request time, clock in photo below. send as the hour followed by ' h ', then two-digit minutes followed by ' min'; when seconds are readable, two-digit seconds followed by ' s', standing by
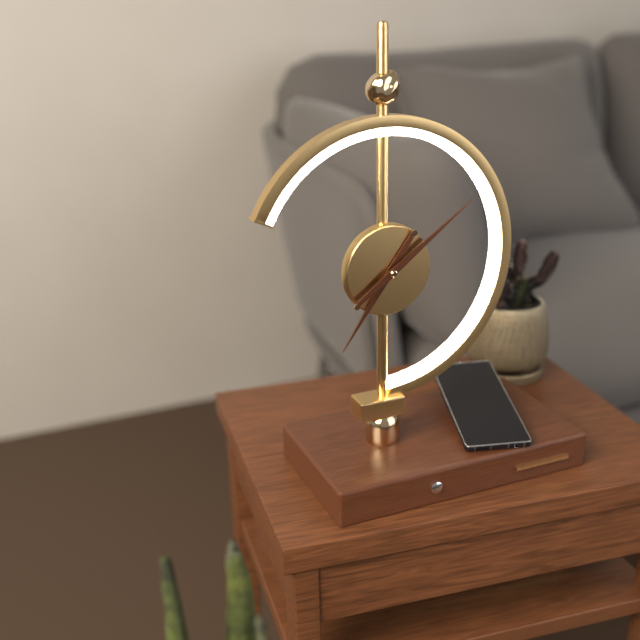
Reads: 7 h 09 min
